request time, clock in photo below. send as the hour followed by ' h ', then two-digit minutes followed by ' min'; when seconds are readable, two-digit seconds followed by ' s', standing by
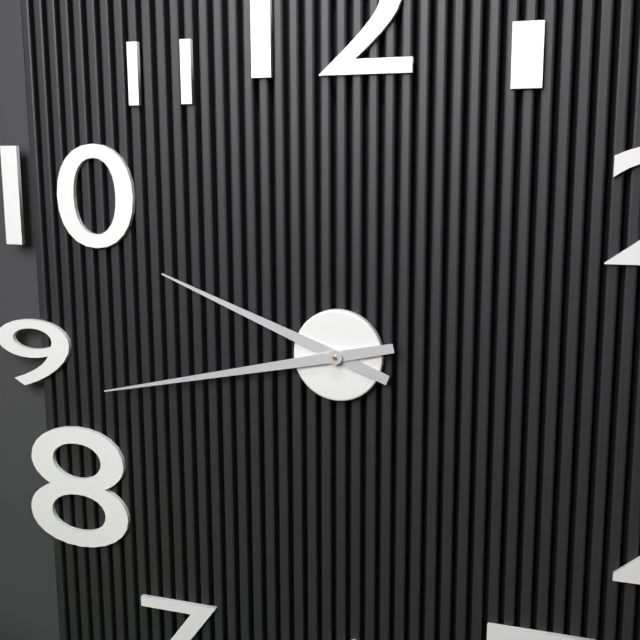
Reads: 9 h 43 min
